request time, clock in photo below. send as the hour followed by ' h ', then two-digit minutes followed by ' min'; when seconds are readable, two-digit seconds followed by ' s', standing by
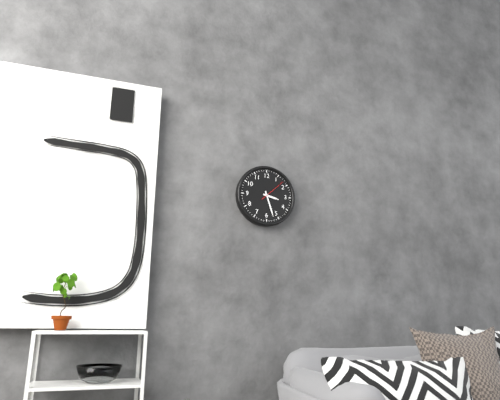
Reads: 3 h 27 min
